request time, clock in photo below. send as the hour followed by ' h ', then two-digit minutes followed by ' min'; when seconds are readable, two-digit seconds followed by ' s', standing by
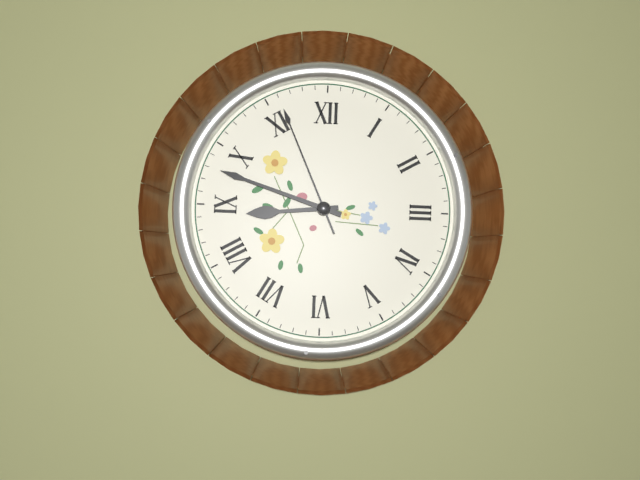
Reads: 8 h 48 min 56 s
